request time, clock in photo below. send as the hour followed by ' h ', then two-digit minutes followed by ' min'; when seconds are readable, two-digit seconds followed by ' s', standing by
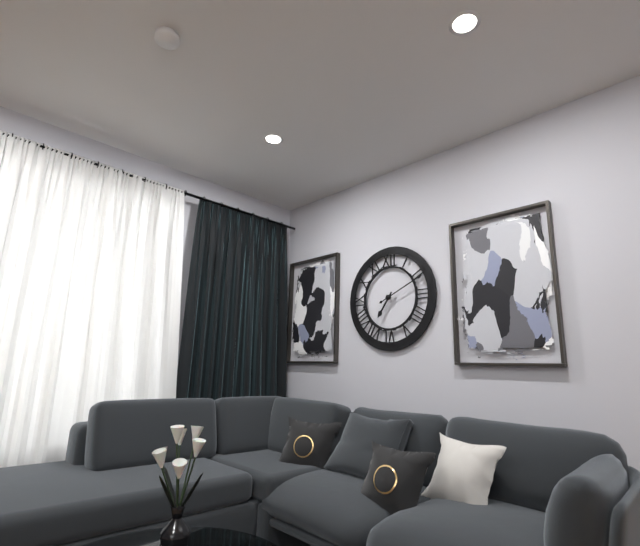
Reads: 7 h 11 min
